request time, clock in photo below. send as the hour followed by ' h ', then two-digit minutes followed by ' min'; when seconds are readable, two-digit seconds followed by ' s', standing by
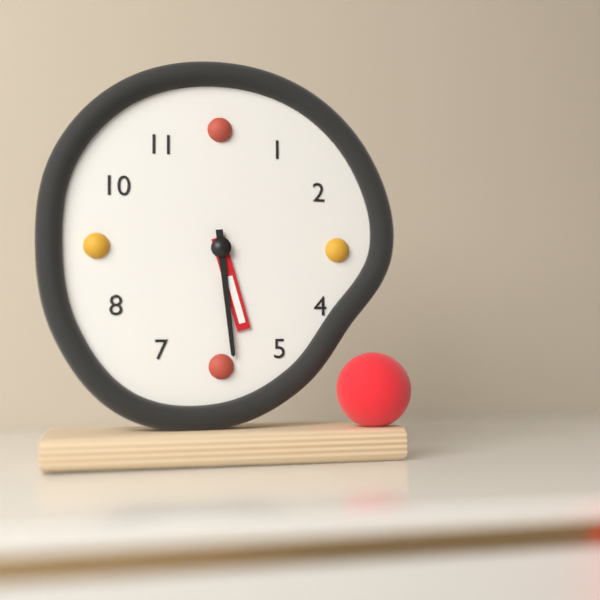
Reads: 5 h 29 min
